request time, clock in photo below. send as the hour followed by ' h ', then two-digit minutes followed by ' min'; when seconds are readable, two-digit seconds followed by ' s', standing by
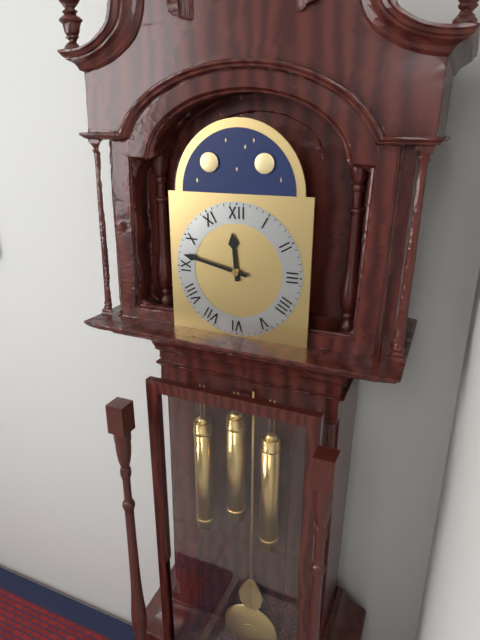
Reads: 11 h 47 min
